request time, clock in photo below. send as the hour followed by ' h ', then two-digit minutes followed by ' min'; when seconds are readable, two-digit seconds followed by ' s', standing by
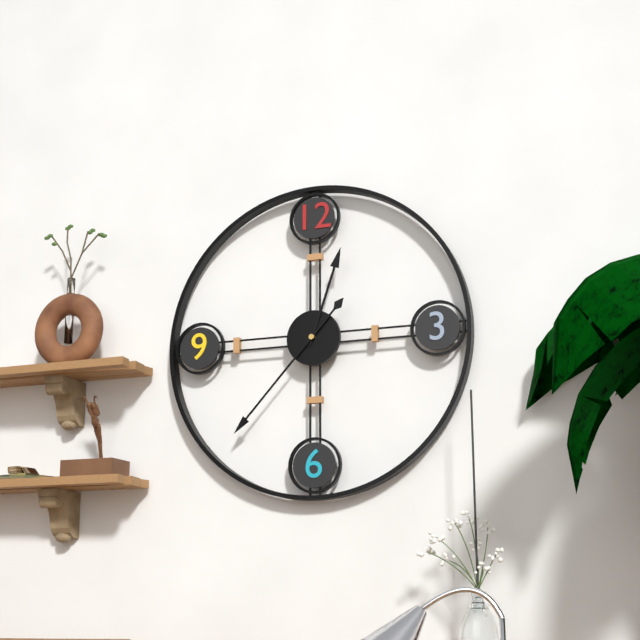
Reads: 12 h 37 min
